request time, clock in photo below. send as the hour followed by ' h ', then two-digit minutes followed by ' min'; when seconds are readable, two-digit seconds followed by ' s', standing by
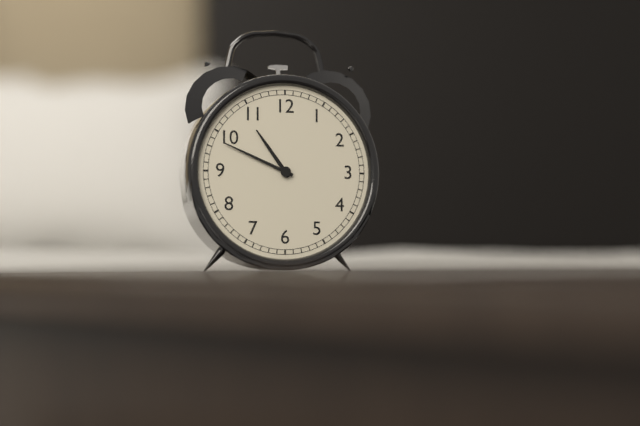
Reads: 10 h 49 min
